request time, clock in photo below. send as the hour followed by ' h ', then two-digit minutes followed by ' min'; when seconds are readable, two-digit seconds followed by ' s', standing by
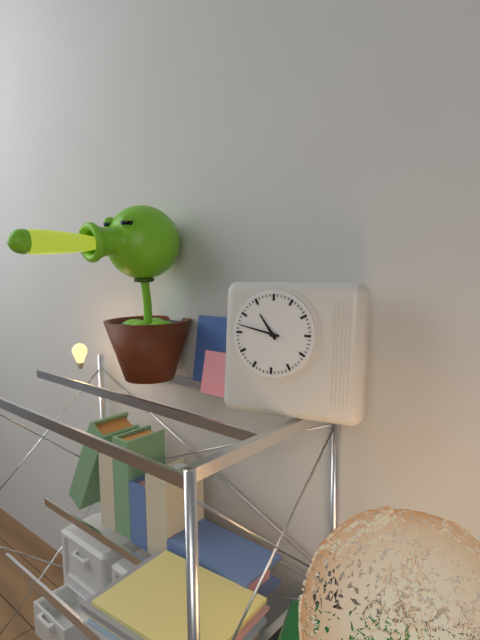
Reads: 10 h 47 min
